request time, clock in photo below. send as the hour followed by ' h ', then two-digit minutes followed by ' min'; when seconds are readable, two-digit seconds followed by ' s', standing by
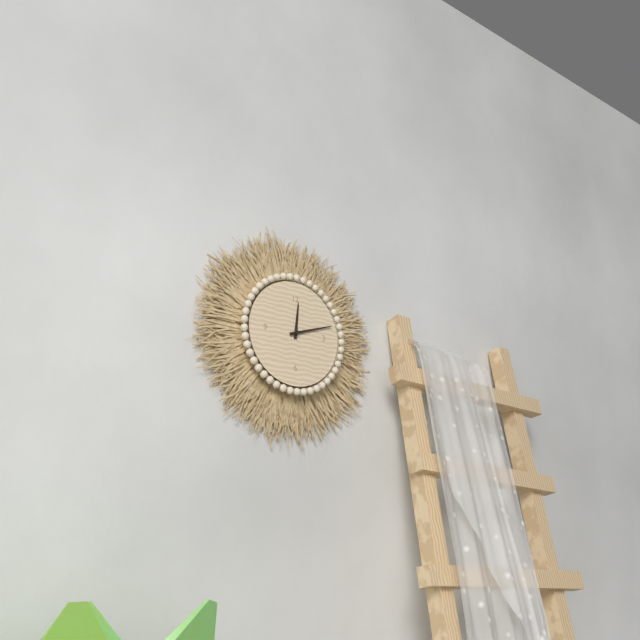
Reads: 12 h 12 min
